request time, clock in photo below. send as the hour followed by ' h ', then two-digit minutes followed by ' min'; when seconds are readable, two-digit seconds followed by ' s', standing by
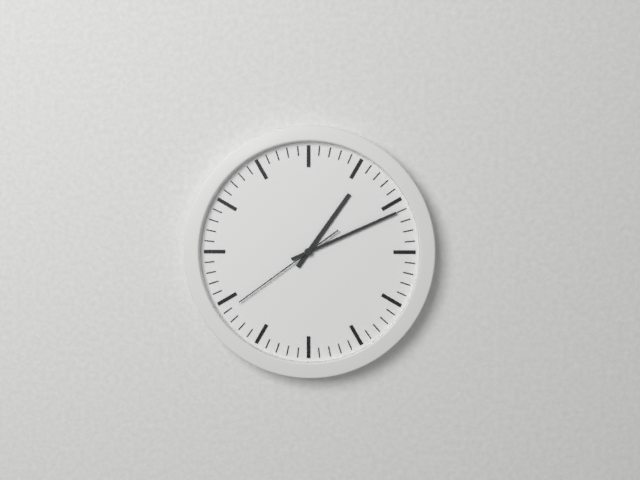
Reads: 1 h 11 min 39 s
